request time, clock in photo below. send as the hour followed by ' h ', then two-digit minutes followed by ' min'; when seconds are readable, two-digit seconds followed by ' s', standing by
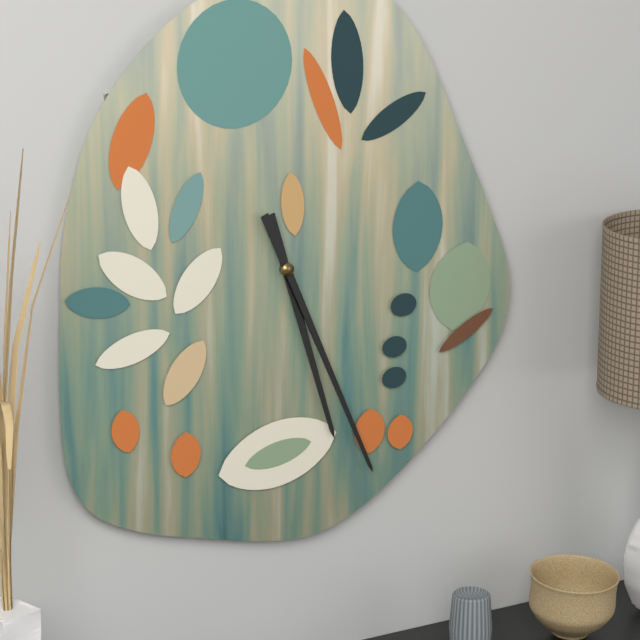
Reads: 5 h 26 min
